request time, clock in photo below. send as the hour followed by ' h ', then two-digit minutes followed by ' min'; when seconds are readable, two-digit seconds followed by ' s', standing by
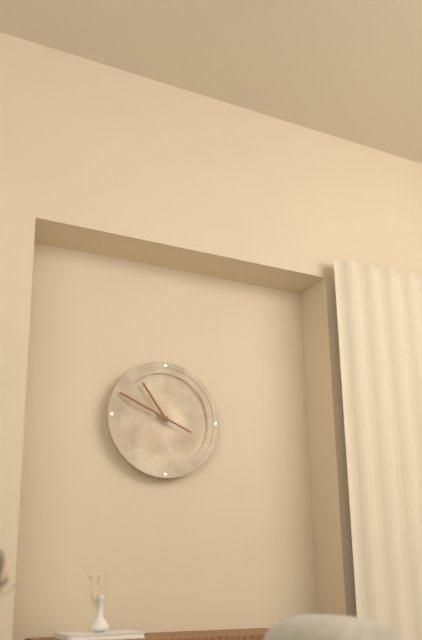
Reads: 10 h 49 min
